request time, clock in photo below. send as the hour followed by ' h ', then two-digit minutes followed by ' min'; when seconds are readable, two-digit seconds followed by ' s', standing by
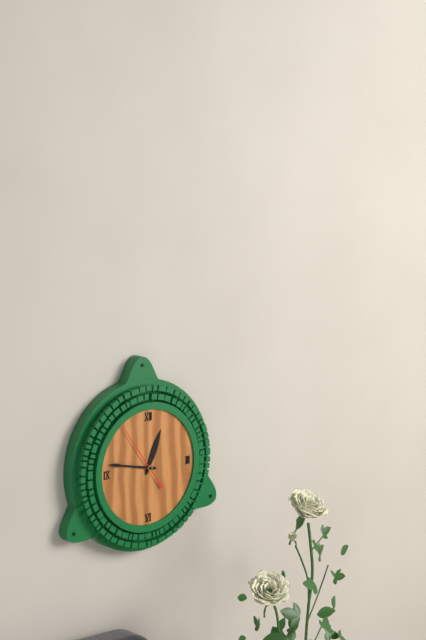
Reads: 12 h 47 min 54 s
